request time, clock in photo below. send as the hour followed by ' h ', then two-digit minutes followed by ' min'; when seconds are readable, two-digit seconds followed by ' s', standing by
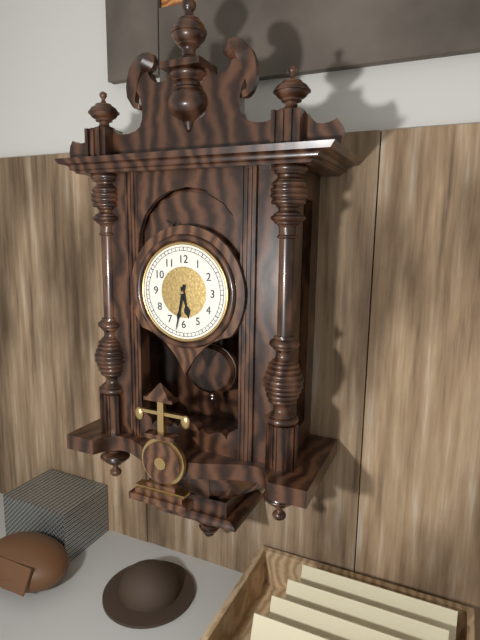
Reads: 5 h 32 min
